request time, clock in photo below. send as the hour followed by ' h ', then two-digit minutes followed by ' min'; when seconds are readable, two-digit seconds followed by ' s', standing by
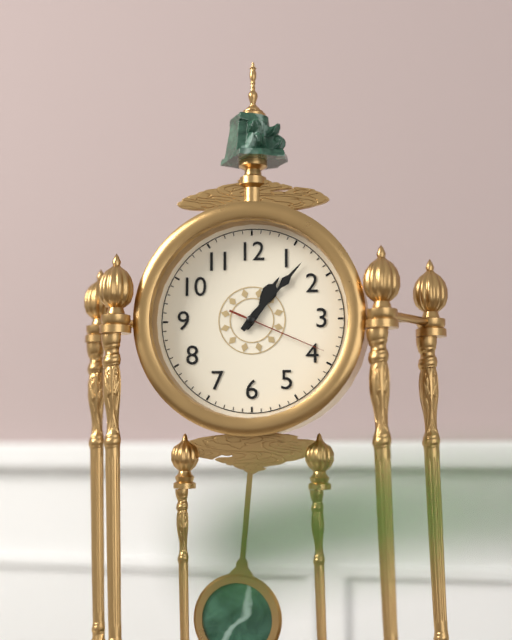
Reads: 1 h 07 min 19 s
